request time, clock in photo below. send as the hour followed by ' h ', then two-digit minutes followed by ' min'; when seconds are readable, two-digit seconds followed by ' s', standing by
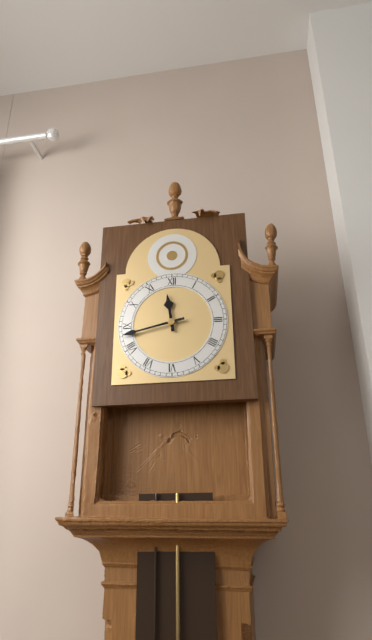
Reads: 11 h 43 min
